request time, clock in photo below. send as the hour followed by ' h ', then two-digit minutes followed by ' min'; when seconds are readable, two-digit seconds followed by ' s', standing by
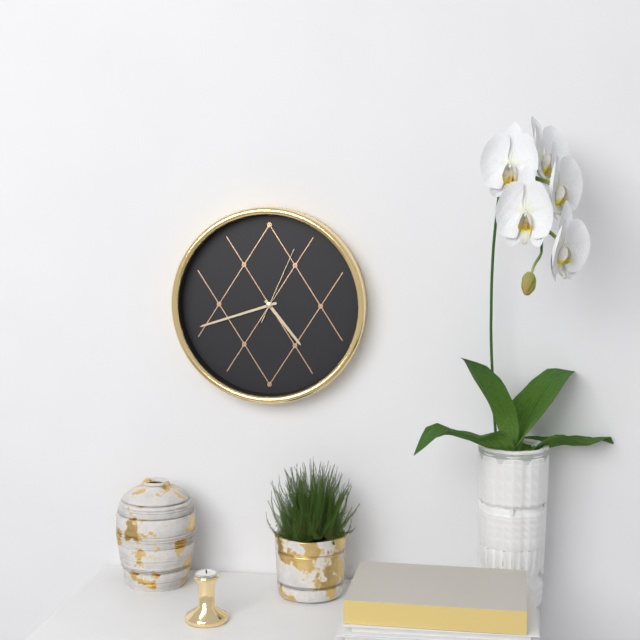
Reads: 4 h 42 min 04 s
